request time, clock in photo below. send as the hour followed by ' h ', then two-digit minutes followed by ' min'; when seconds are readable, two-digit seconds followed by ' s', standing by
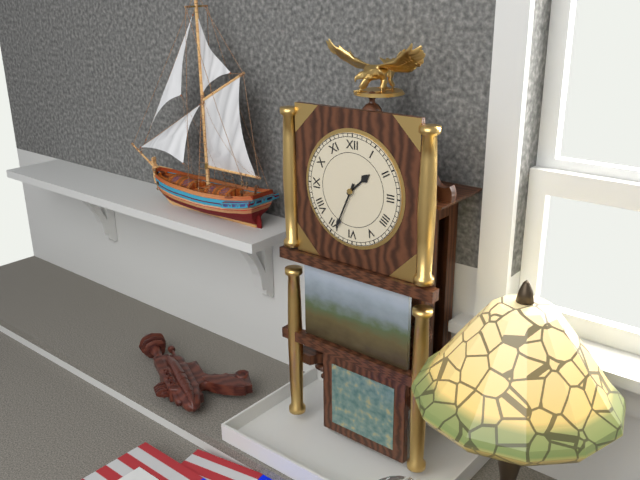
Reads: 1 h 34 min
